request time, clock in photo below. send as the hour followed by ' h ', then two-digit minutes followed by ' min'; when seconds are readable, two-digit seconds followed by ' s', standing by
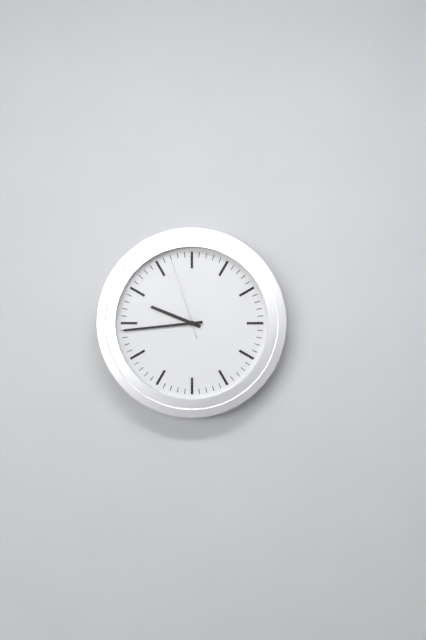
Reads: 9 h 44 min 57 s
